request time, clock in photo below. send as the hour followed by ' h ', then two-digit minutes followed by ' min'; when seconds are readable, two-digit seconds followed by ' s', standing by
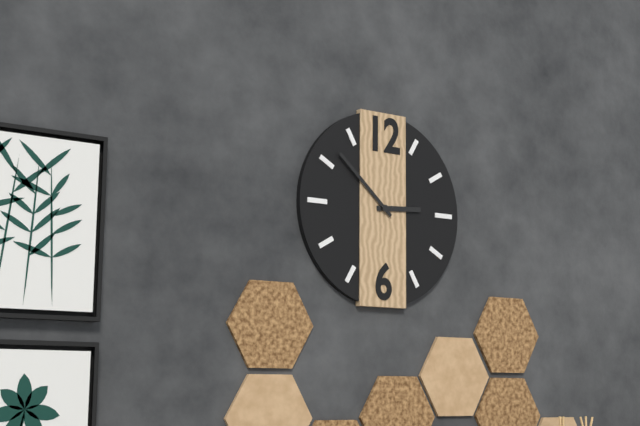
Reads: 2 h 52 min
